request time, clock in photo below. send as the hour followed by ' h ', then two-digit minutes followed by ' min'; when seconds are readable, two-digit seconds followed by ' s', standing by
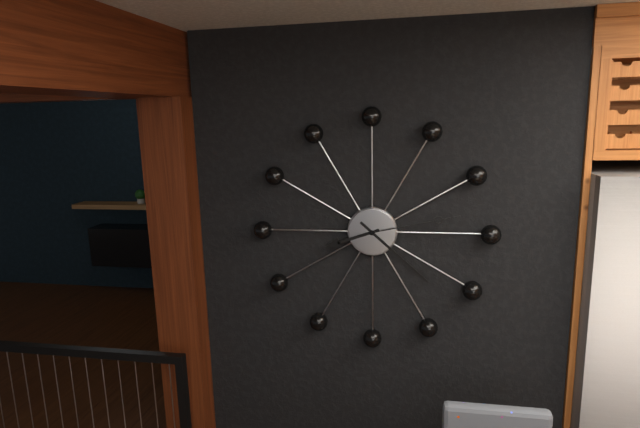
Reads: 8 h 22 min 13 s
